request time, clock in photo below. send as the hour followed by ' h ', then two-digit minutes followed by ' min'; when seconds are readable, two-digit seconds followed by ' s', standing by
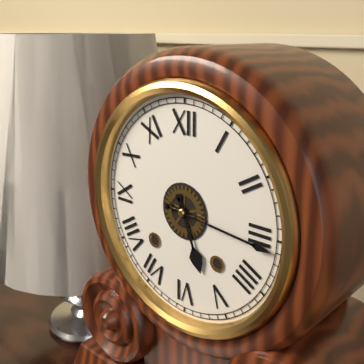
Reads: 5 h 16 min
